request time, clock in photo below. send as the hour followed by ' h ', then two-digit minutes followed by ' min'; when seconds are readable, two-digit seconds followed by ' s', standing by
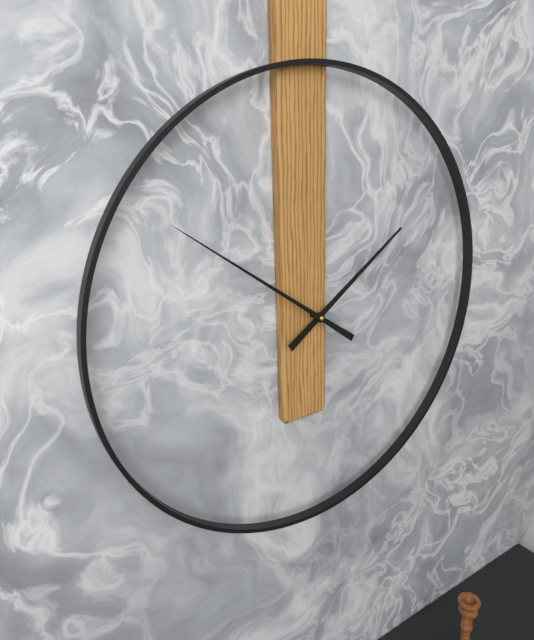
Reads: 1 h 51 min
